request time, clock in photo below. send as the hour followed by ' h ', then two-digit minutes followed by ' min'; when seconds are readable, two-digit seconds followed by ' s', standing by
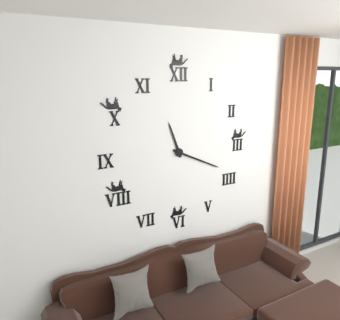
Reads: 11 h 19 min
